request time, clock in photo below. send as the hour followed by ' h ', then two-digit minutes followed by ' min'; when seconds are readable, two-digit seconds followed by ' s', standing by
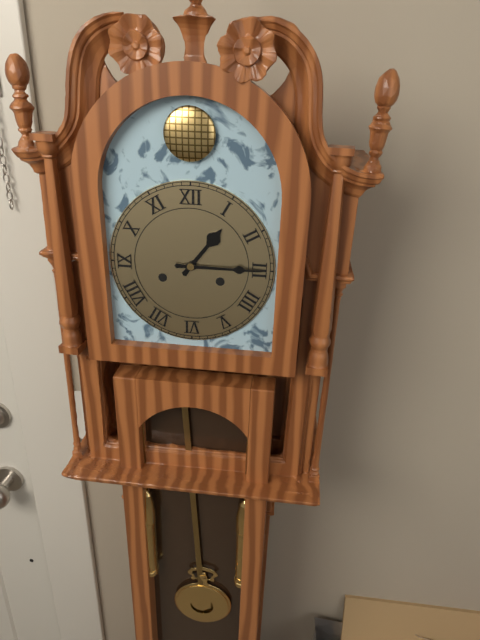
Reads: 1 h 15 min
